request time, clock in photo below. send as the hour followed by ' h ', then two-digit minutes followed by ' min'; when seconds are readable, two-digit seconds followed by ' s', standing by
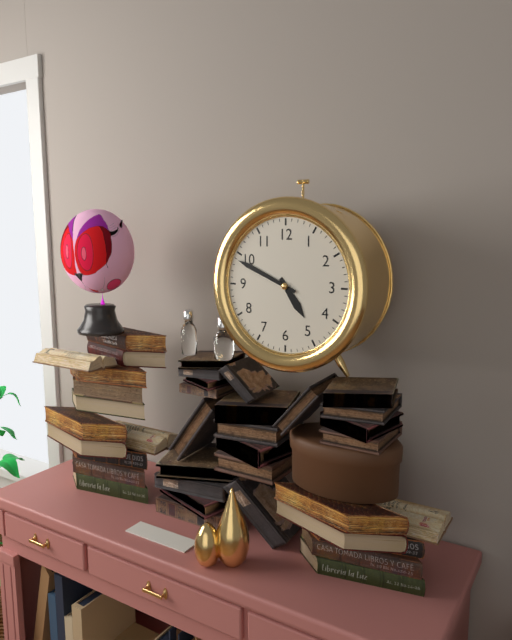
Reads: 4 h 49 min
